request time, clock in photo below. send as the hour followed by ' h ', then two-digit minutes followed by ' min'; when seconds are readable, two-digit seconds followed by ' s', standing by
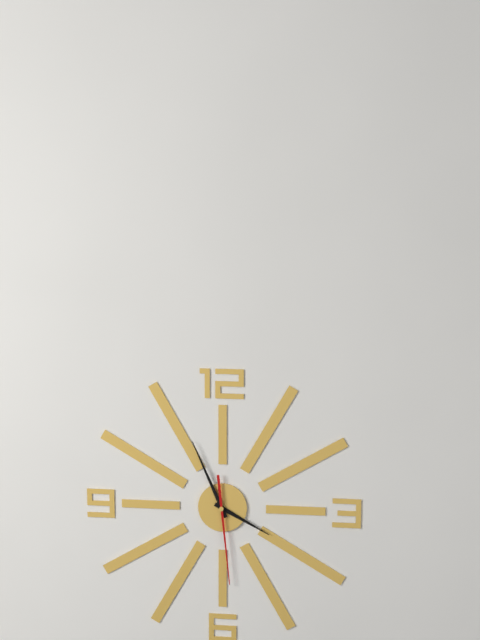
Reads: 3 h 56 min 29 s
